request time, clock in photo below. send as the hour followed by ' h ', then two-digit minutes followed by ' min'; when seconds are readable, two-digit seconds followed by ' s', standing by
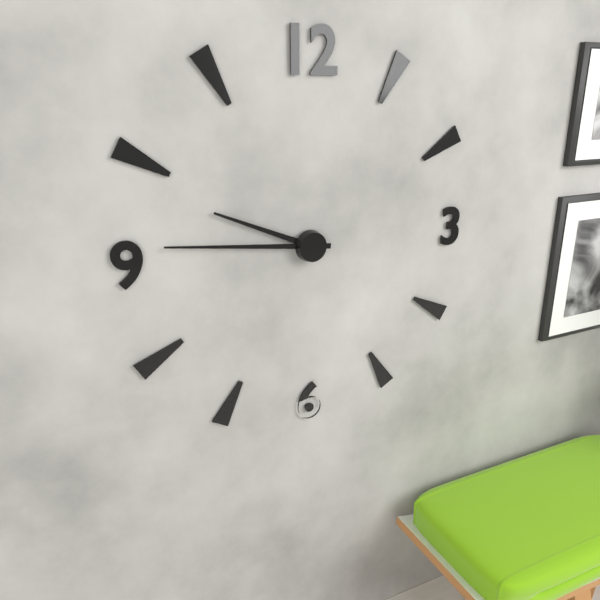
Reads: 9 h 46 min
